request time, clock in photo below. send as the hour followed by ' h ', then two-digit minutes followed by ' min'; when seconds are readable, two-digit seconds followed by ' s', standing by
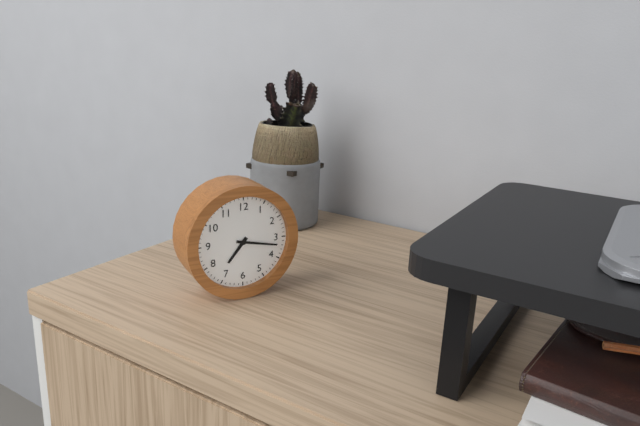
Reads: 7 h 17 min
